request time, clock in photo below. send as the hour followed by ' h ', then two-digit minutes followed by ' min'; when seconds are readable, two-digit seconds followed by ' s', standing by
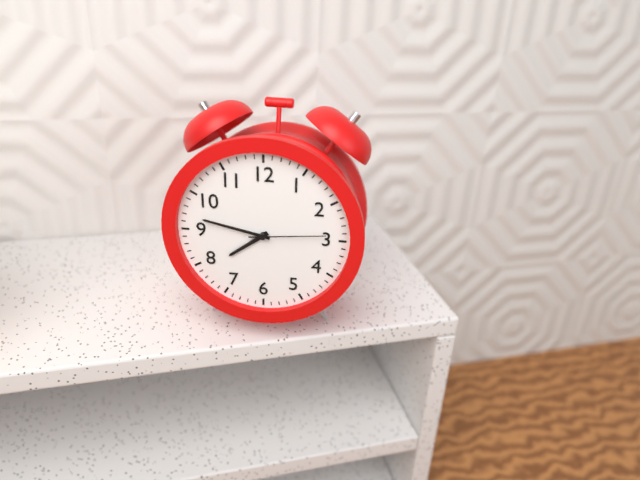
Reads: 7 h 47 min 14 s
